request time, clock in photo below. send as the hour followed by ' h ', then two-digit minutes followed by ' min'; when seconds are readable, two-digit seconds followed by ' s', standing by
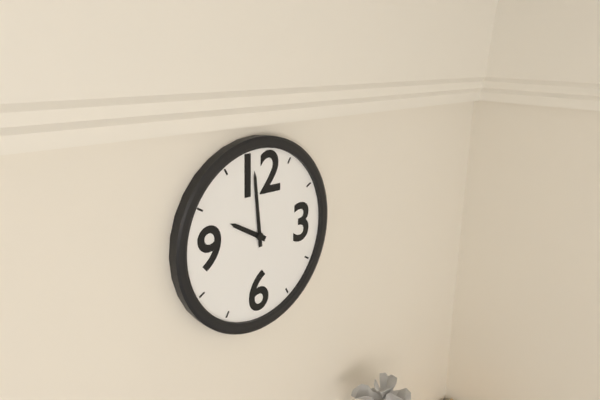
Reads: 9 h 59 min
